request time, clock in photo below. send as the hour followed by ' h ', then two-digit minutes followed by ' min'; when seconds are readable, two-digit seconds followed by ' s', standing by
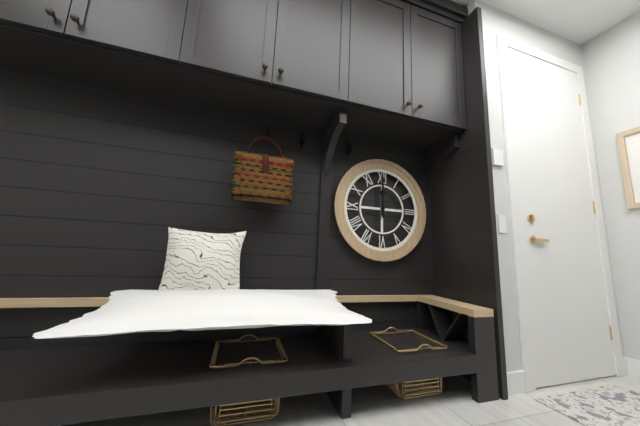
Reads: 12 h 00 min
